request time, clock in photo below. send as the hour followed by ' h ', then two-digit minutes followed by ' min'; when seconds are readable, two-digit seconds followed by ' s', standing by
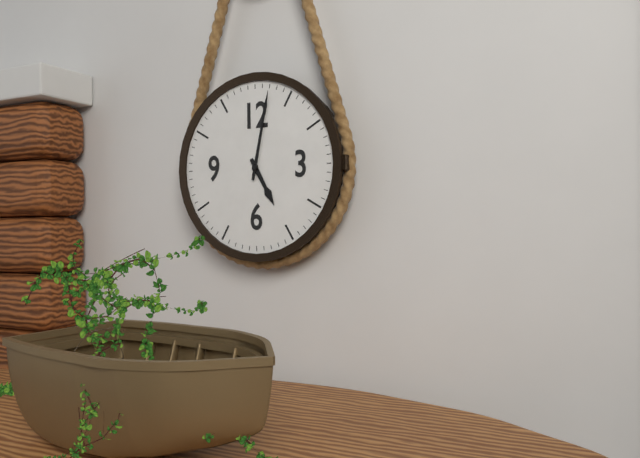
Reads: 5 h 02 min
